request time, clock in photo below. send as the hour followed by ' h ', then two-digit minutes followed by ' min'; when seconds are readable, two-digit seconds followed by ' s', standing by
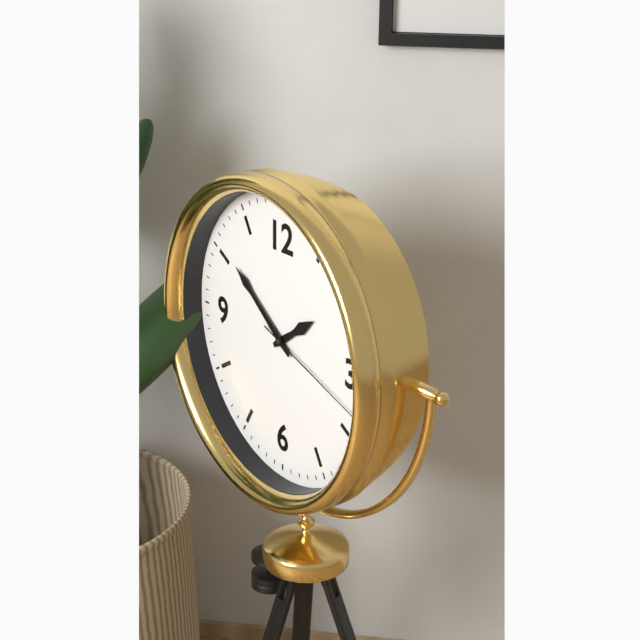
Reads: 1 h 51 min 18 s
